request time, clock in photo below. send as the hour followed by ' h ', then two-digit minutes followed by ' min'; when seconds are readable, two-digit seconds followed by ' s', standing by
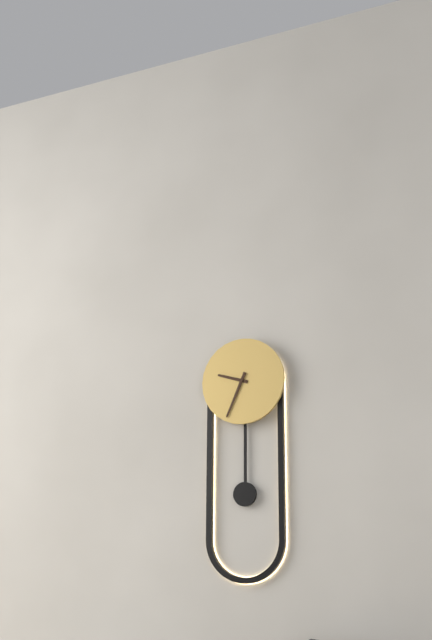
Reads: 9 h 34 min
